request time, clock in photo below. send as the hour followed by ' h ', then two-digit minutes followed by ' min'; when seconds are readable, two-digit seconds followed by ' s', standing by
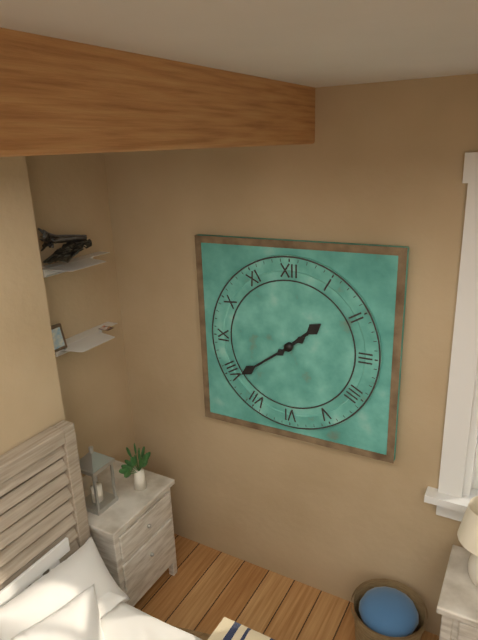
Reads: 1 h 39 min
